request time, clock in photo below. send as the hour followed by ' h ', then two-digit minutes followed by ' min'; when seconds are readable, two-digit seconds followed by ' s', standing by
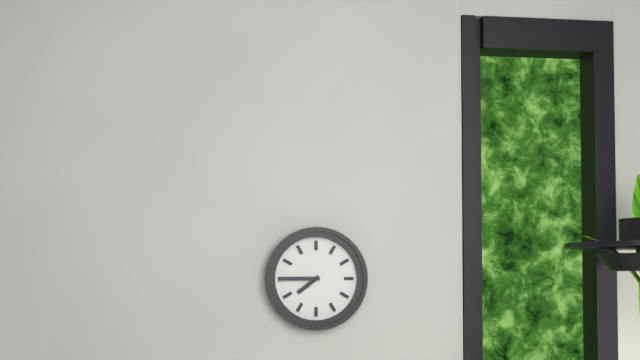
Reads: 7 h 45 min
